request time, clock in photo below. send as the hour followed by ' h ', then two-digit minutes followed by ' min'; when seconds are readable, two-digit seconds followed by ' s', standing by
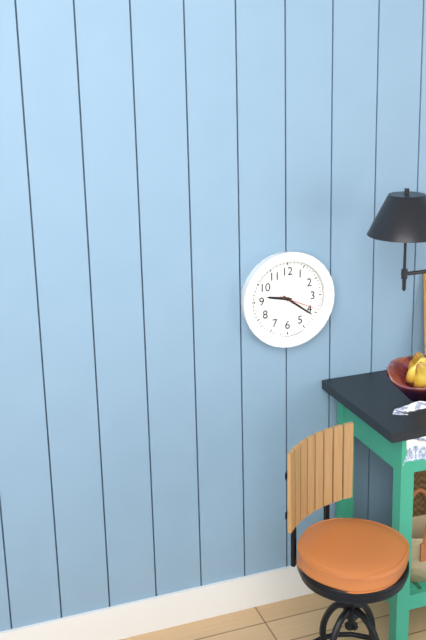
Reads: 9 h 21 min
